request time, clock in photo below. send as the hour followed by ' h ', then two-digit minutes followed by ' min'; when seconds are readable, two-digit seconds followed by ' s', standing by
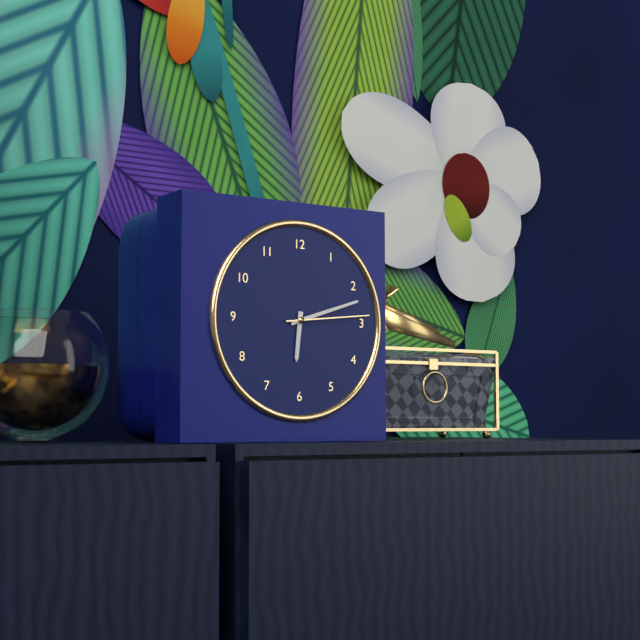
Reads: 6 h 12 min 14 s
